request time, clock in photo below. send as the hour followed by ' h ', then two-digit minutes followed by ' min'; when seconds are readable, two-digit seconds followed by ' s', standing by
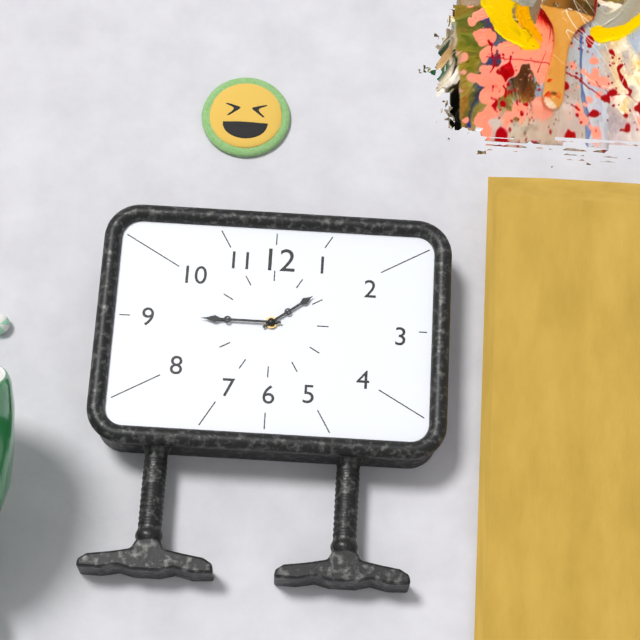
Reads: 1 h 45 min
